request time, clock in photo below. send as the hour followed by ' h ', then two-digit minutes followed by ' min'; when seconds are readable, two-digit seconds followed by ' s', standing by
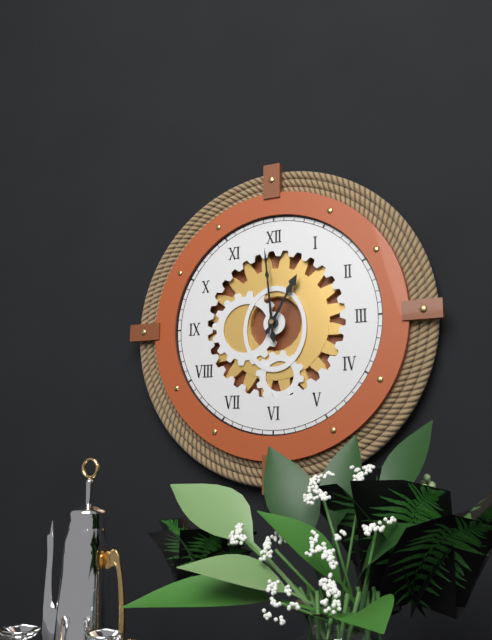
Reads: 12 h 59 min
